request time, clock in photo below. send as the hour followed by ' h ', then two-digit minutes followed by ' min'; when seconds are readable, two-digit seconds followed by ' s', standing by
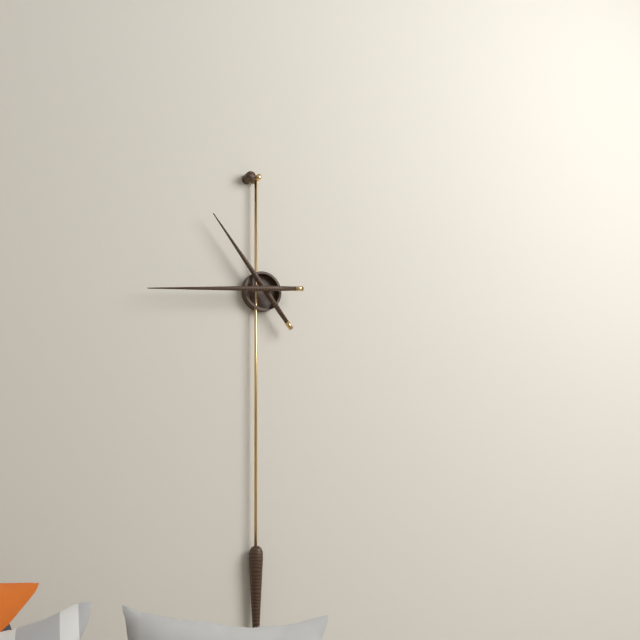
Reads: 10 h 44 min
